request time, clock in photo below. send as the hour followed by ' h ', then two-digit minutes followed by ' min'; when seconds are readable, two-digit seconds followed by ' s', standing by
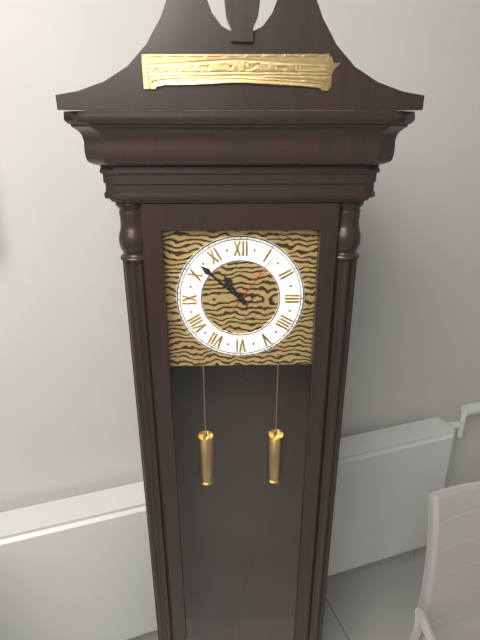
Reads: 10 h 52 min 06 s
